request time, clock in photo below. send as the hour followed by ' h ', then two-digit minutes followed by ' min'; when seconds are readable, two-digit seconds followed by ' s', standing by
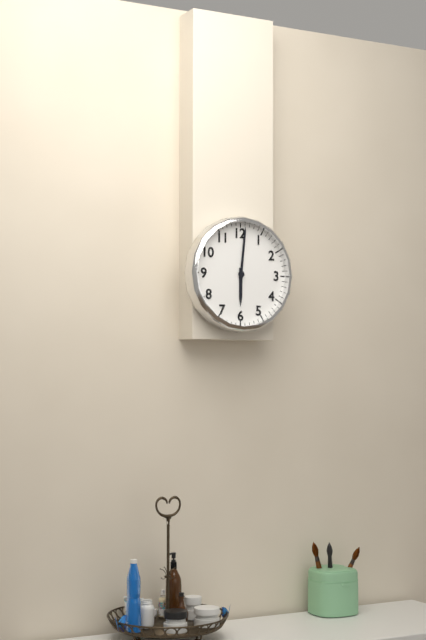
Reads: 6 h 01 min
